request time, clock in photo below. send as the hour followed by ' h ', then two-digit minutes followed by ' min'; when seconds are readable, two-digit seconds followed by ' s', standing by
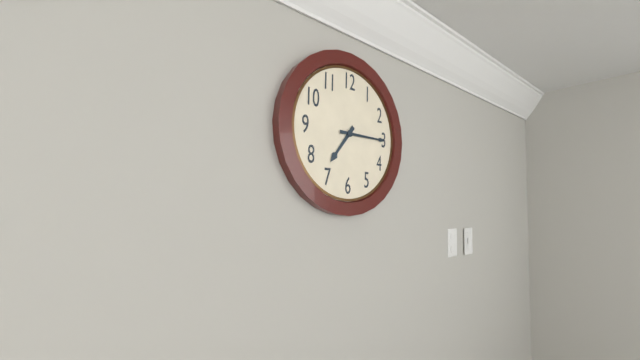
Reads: 7 h 15 min
